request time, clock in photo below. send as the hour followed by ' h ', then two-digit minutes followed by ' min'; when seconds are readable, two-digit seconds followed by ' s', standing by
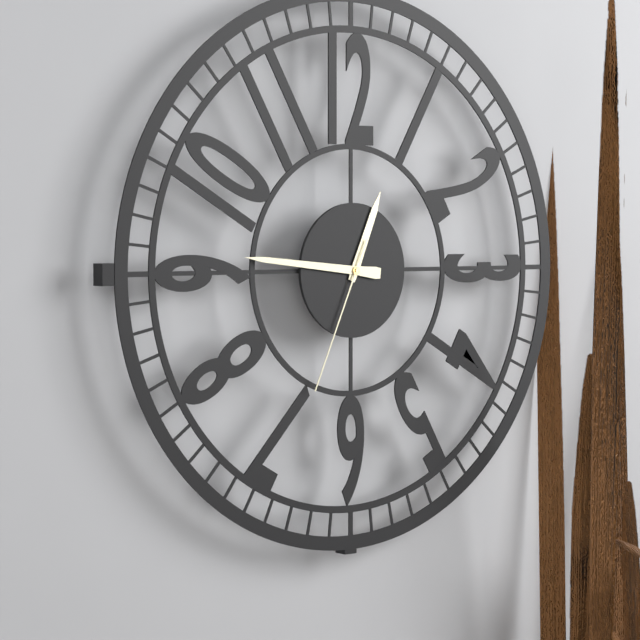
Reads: 12 h 46 min 34 s
